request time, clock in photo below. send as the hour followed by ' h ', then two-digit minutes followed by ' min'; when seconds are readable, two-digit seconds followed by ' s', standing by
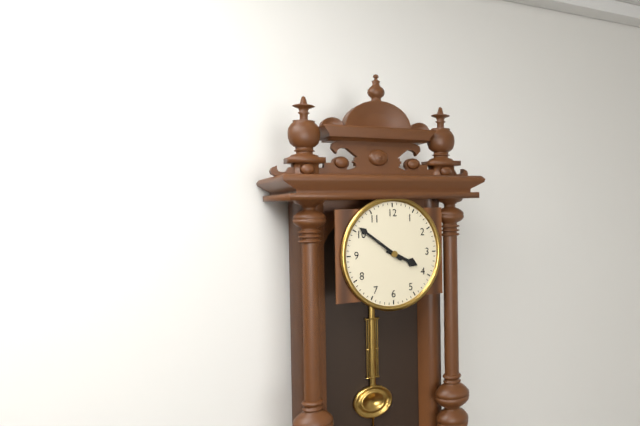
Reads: 3 h 51 min
